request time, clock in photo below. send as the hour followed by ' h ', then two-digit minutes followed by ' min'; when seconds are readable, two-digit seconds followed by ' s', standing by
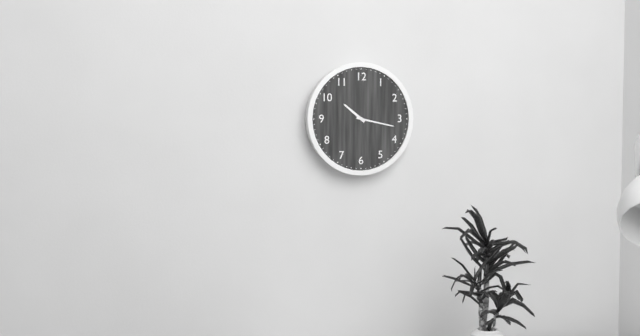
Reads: 10 h 17 min
